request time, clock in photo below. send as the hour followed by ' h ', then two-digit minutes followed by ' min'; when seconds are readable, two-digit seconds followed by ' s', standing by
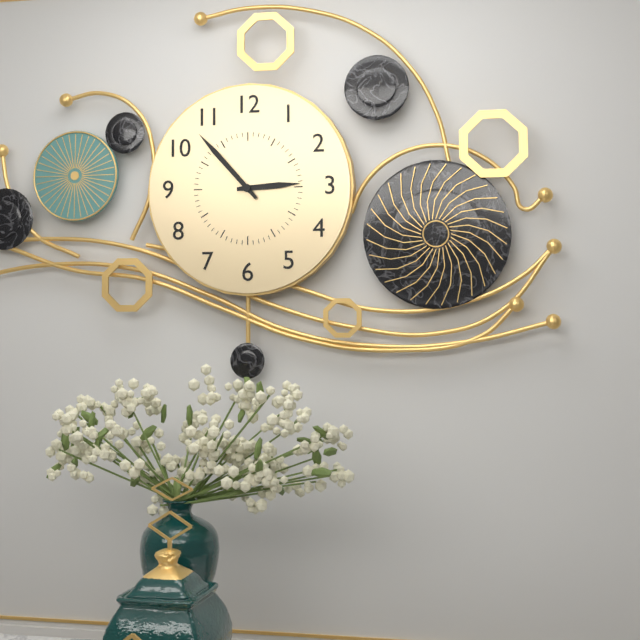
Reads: 2 h 53 min
